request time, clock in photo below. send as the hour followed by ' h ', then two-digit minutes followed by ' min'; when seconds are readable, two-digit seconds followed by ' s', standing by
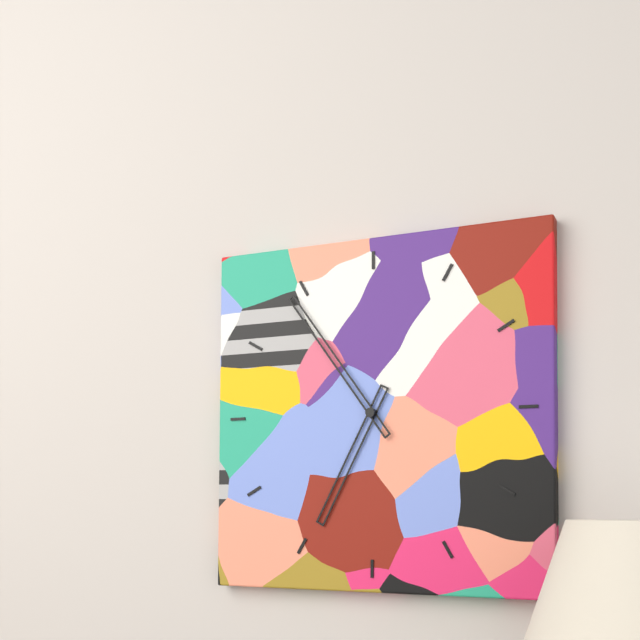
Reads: 6 h 54 min
